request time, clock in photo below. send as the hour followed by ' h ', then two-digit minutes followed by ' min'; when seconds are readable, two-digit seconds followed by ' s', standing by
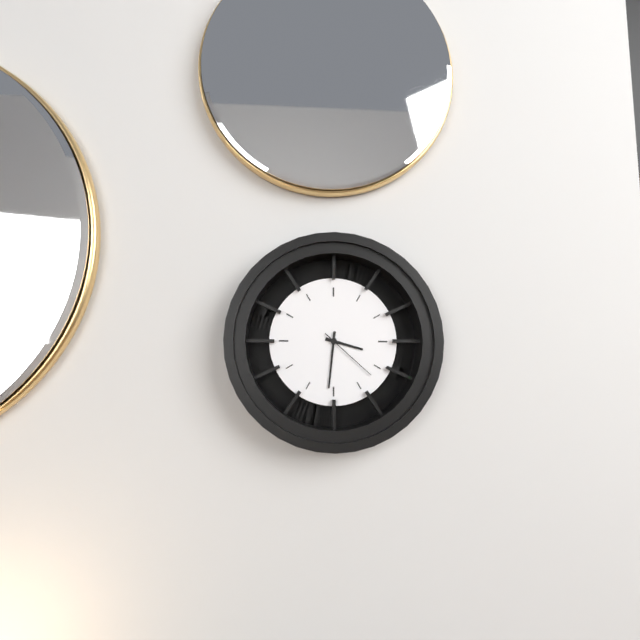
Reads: 3 h 31 min 22 s
